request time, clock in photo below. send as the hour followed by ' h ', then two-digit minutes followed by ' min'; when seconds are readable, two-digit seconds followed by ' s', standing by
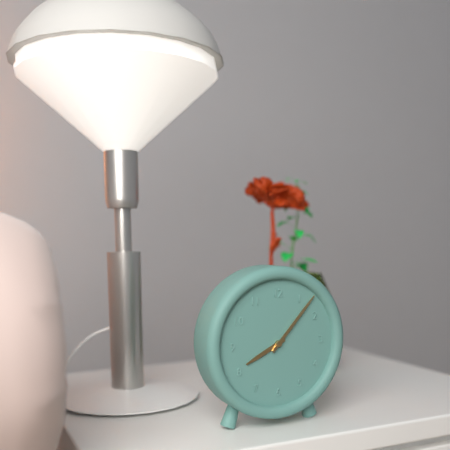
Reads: 8 h 07 min
